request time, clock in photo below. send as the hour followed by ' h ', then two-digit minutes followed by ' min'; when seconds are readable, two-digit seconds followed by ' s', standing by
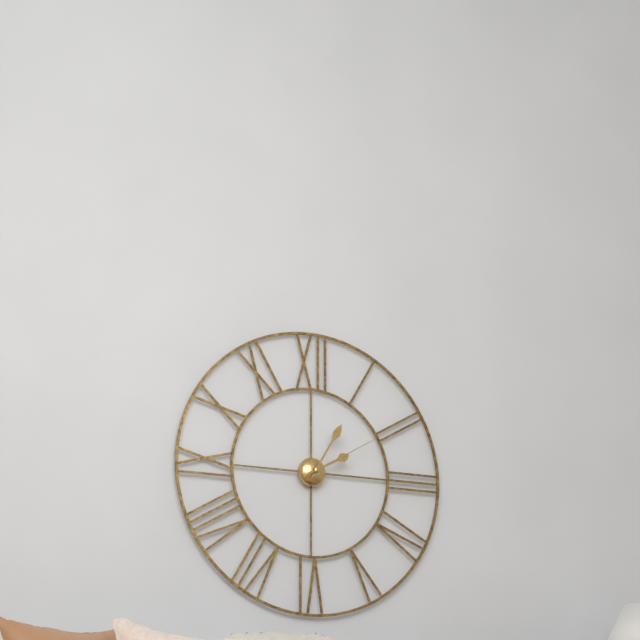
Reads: 2 h 05 min 10 s
